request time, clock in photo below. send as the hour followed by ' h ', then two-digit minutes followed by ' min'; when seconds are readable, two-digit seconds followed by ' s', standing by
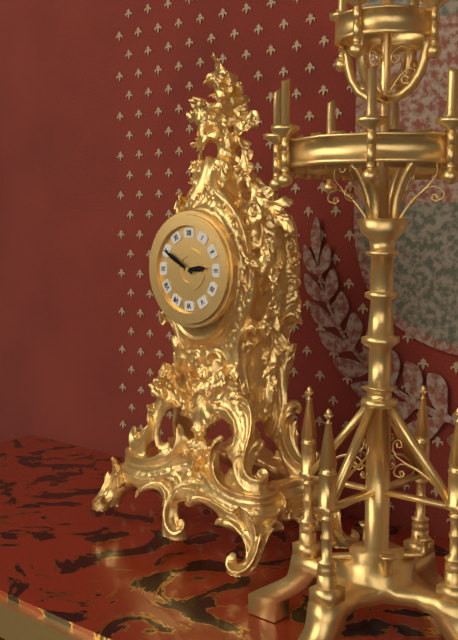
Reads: 2 h 50 min
